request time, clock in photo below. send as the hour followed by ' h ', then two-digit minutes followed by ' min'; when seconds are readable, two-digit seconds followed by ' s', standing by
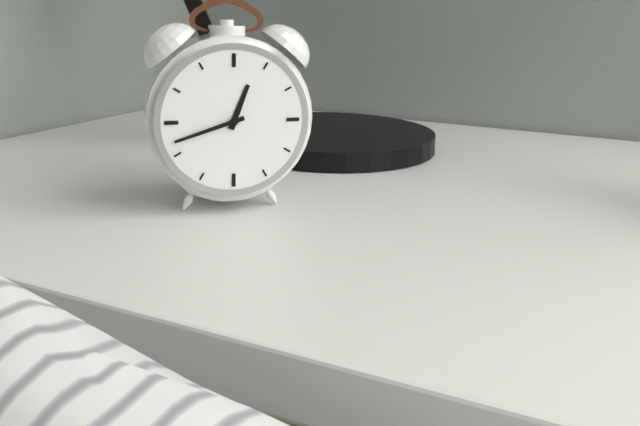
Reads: 12 h 42 min
